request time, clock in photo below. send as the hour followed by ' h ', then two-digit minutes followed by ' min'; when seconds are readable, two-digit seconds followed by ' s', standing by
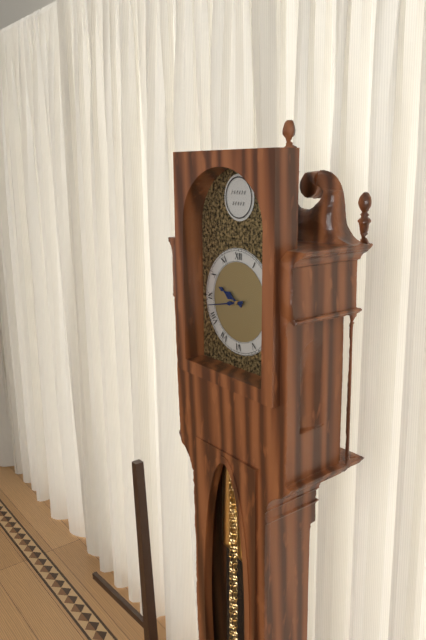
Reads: 9 h 43 min
